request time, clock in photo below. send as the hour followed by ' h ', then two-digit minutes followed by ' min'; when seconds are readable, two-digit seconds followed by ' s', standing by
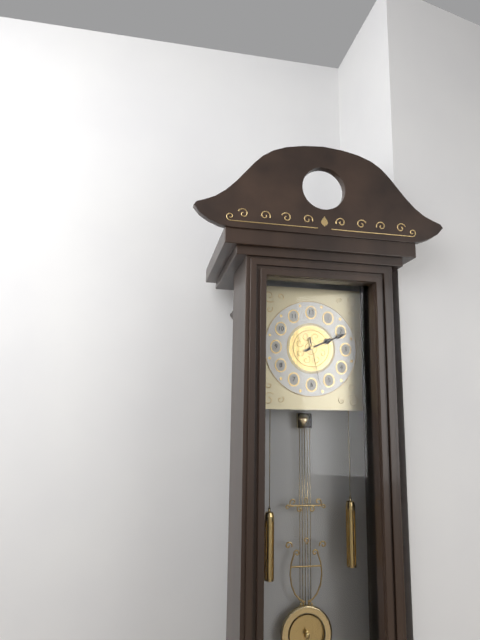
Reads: 2 h 11 min
